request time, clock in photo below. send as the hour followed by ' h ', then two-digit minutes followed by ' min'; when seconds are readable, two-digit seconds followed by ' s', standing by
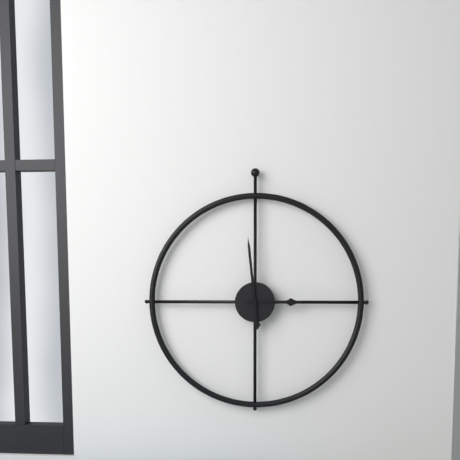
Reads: 2 h 59 min
